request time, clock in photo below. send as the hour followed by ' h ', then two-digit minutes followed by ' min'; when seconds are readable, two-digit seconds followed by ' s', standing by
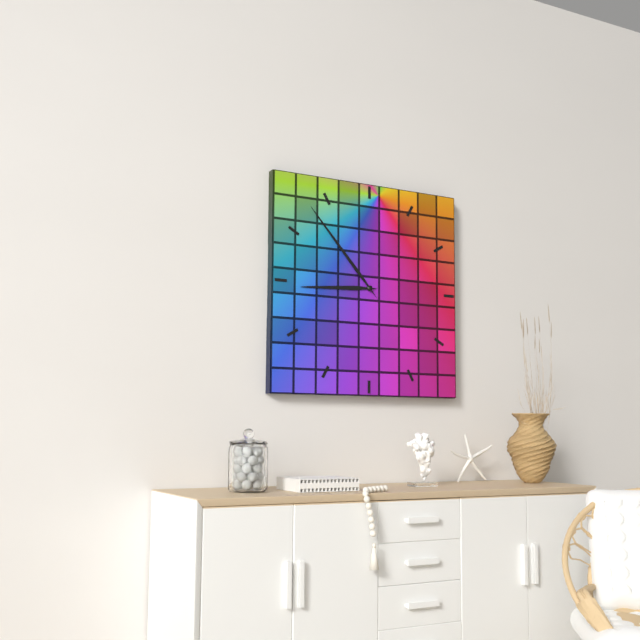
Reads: 8 h 53 min
